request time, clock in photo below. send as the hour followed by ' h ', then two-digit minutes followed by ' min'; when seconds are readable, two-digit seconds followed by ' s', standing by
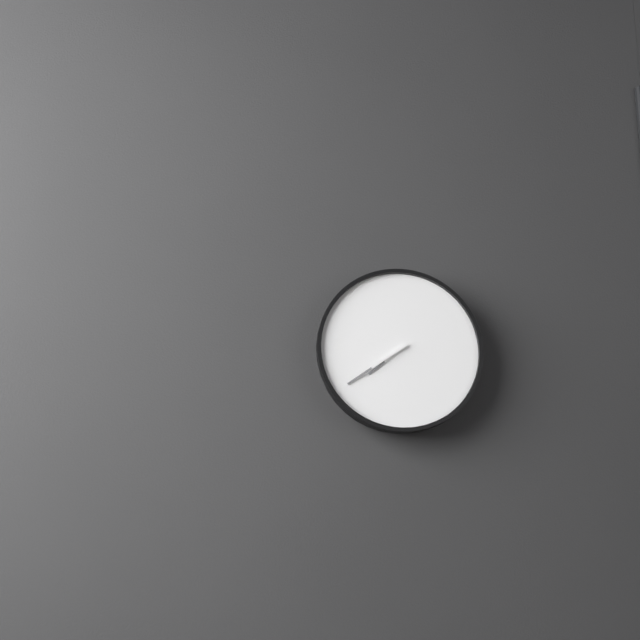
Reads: 7 h 39 min
